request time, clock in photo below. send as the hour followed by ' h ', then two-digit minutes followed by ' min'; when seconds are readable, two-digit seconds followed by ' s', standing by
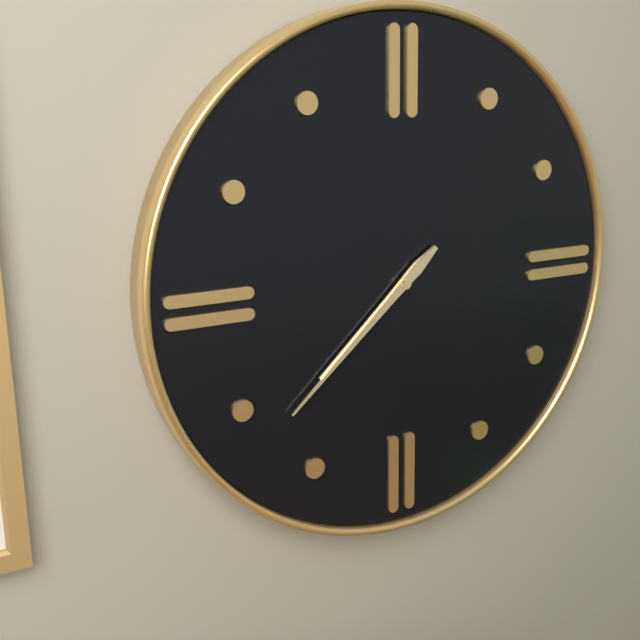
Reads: 7 h 38 min
